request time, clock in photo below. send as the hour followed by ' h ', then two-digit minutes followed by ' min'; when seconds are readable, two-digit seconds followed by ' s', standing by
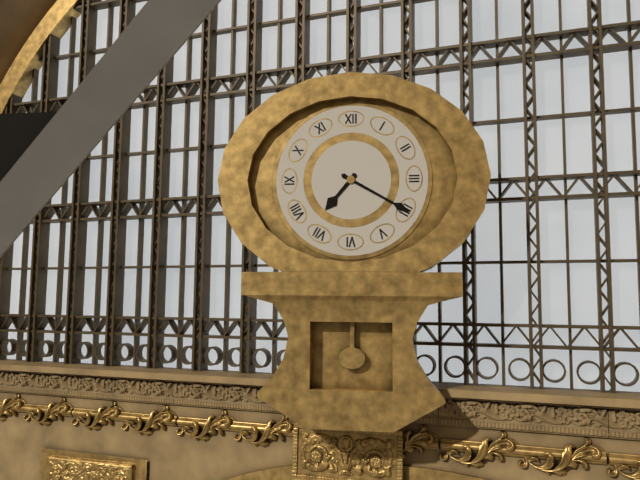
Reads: 7 h 20 min
